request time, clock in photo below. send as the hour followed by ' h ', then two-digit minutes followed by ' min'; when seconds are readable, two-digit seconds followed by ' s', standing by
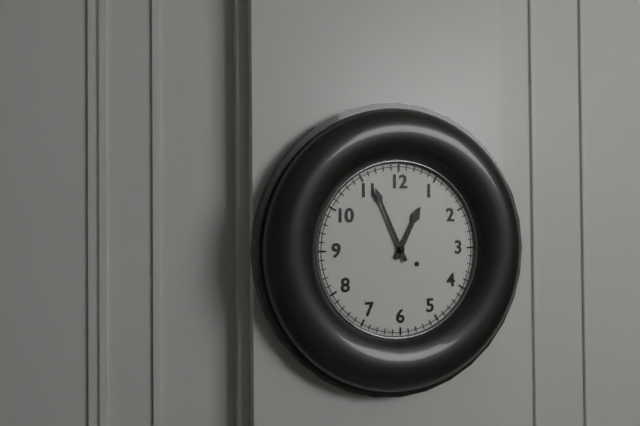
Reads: 12 h 56 min
